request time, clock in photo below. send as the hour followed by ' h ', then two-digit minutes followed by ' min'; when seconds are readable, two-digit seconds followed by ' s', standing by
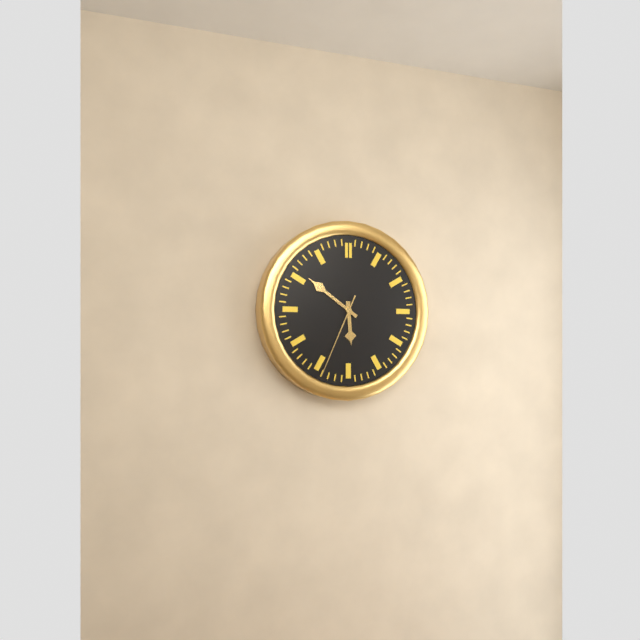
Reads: 5 h 51 min 34 s
